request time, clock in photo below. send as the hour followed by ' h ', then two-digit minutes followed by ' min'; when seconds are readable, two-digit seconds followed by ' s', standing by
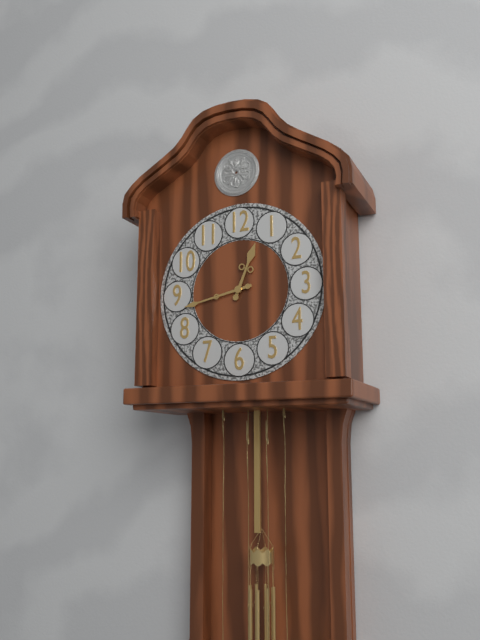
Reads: 12 h 43 min
